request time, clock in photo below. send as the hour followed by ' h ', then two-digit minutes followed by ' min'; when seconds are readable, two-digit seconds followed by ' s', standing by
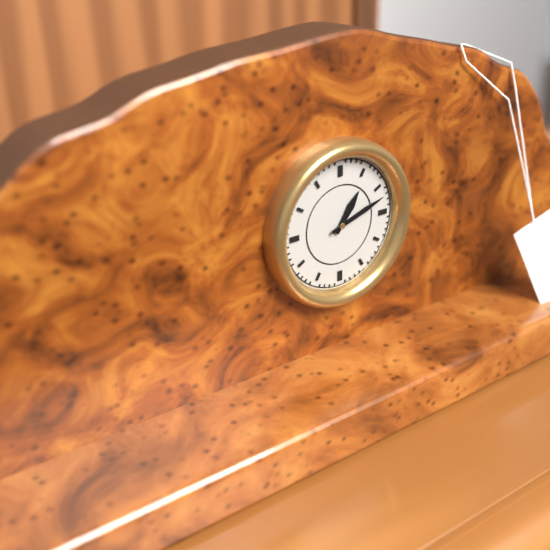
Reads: 1 h 12 min
